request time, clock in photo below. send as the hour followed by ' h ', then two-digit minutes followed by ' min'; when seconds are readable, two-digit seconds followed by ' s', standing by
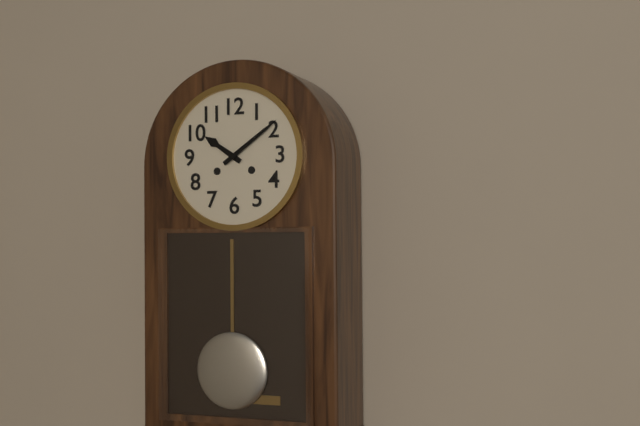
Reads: 10 h 09 min
